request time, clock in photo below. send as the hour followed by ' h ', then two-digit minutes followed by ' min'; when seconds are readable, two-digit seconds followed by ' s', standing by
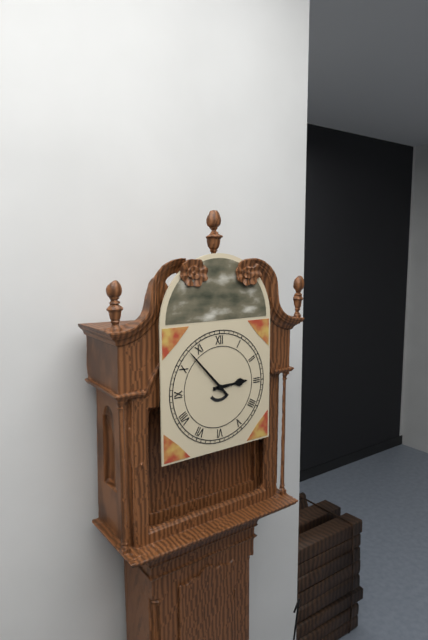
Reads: 2 h 53 min
